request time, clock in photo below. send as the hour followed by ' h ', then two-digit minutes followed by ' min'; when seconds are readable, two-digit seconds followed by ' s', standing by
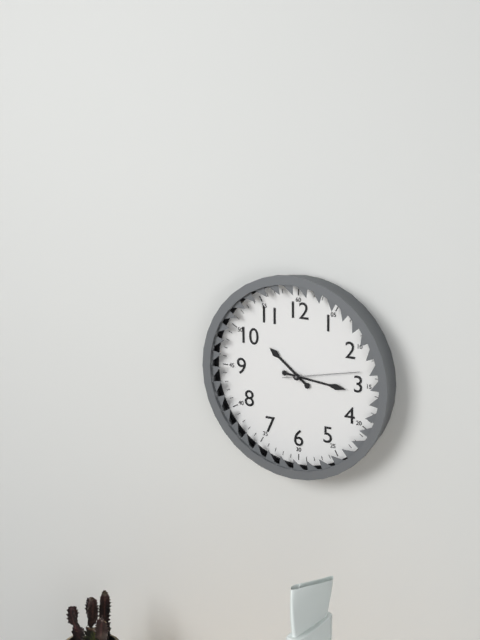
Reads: 10 h 16 min 13 s
